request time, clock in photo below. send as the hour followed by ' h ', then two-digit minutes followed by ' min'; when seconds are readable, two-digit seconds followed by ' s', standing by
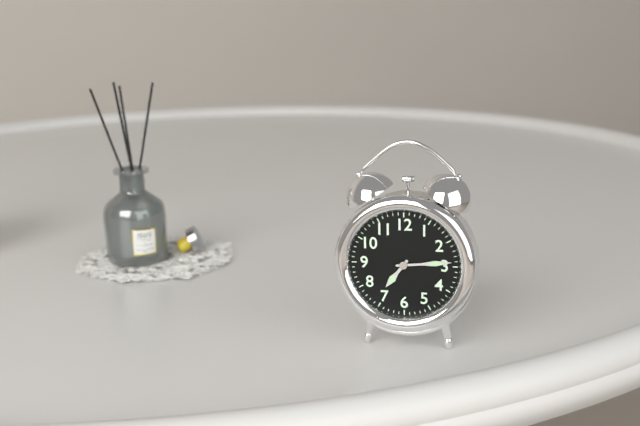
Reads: 7 h 14 min
